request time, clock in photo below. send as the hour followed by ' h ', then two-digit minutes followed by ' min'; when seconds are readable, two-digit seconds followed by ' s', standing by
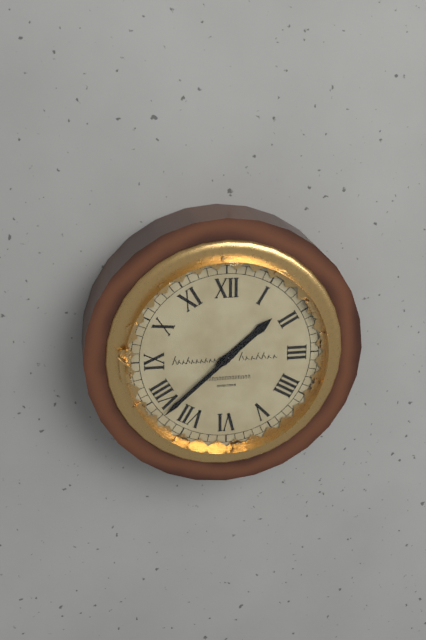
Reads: 1 h 38 min
